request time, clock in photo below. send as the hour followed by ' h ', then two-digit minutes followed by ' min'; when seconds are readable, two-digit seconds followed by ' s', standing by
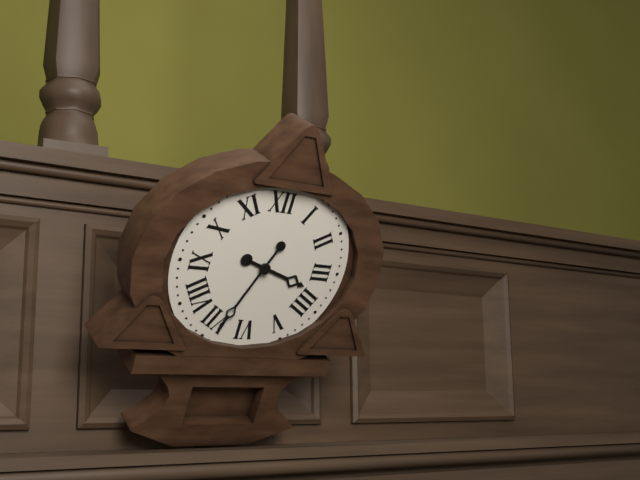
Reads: 3 h 34 min
